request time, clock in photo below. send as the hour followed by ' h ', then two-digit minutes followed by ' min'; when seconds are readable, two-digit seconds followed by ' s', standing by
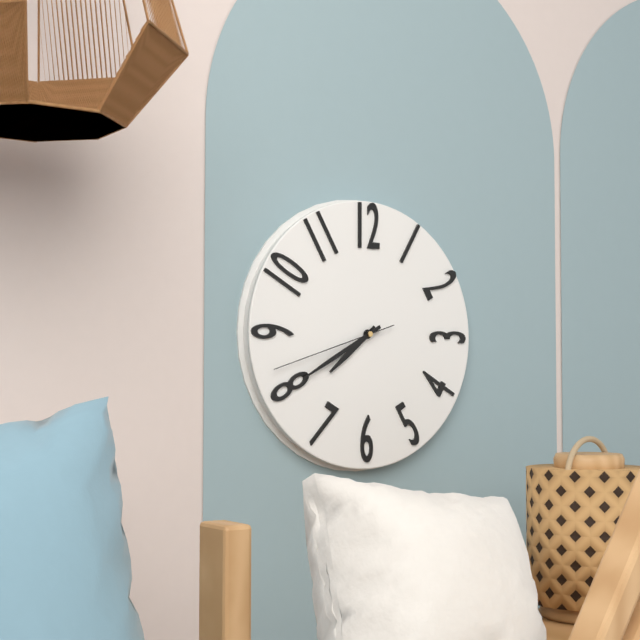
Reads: 7 h 40 min 42 s
